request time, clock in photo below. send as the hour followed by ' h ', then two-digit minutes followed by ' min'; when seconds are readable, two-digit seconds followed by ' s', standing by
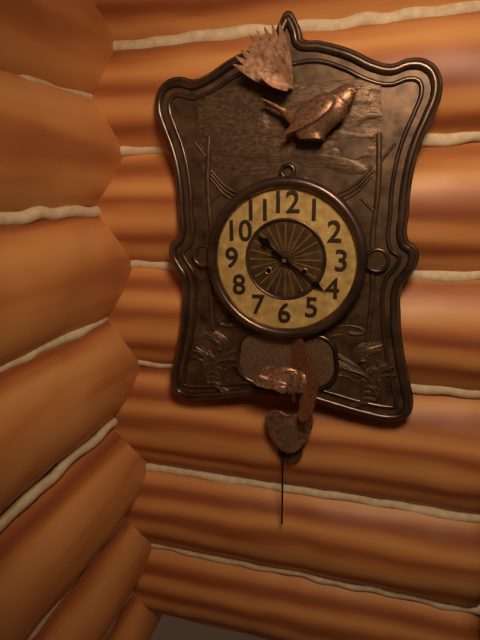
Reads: 10 h 21 min
